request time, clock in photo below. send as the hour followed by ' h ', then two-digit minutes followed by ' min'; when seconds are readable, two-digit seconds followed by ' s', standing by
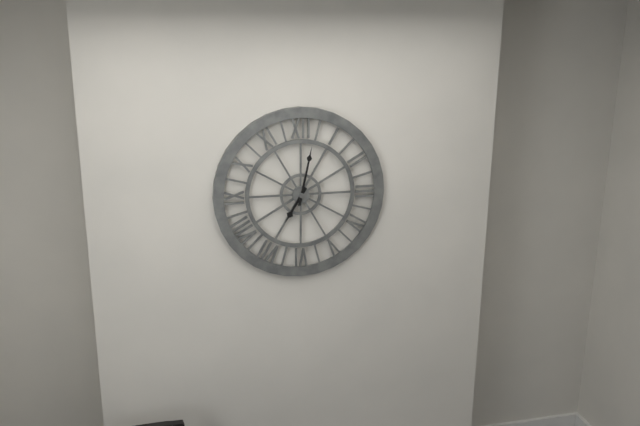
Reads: 7 h 02 min
